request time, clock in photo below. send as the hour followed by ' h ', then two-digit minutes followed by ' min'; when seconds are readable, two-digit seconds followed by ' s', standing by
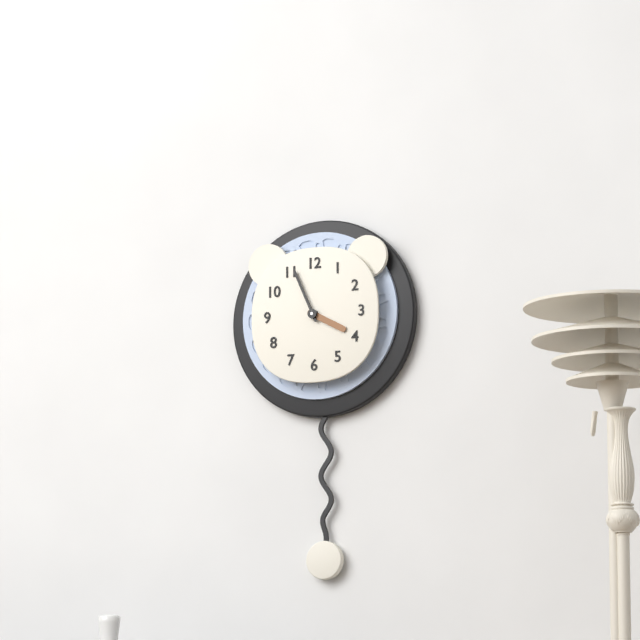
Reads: 3 h 56 min
